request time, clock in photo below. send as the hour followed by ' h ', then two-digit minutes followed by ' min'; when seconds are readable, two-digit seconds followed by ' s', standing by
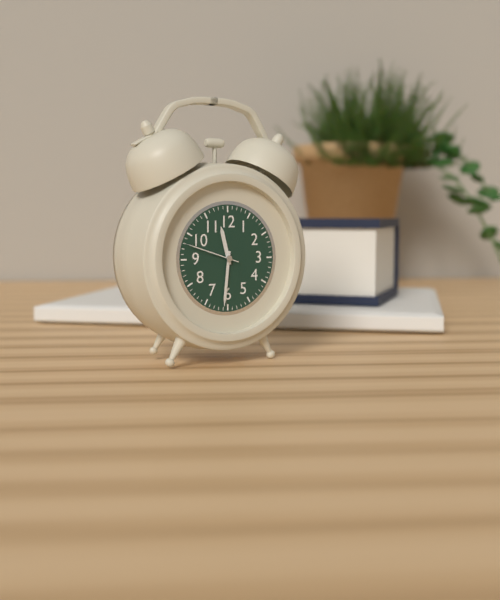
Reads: 11 h 31 min 48 s
